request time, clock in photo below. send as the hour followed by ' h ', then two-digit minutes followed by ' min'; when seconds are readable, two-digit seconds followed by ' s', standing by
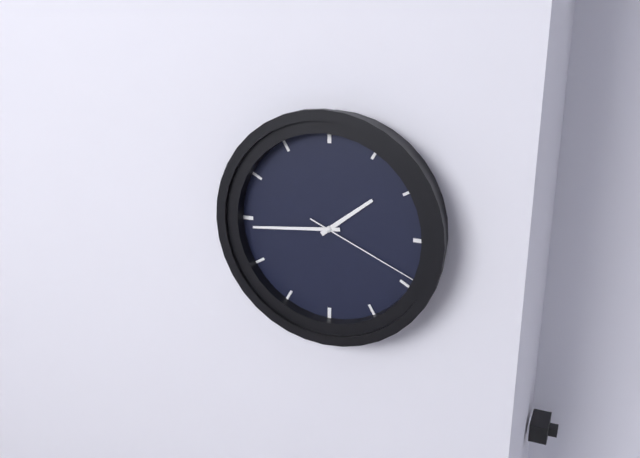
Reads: 1 h 44 min 19 s
